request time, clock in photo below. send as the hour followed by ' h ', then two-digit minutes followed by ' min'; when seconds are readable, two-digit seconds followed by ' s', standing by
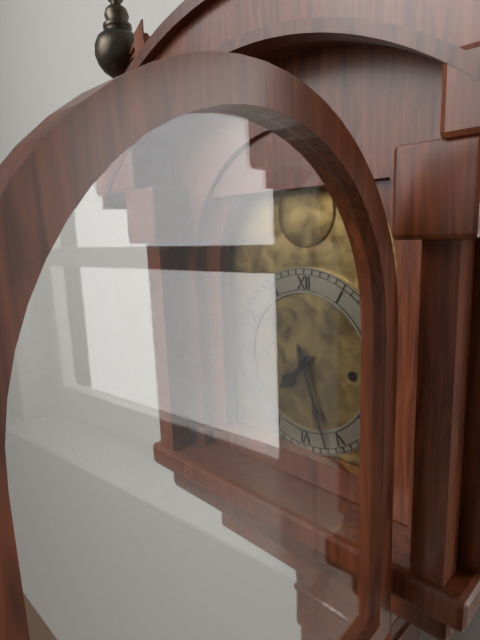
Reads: 7 h 27 min
